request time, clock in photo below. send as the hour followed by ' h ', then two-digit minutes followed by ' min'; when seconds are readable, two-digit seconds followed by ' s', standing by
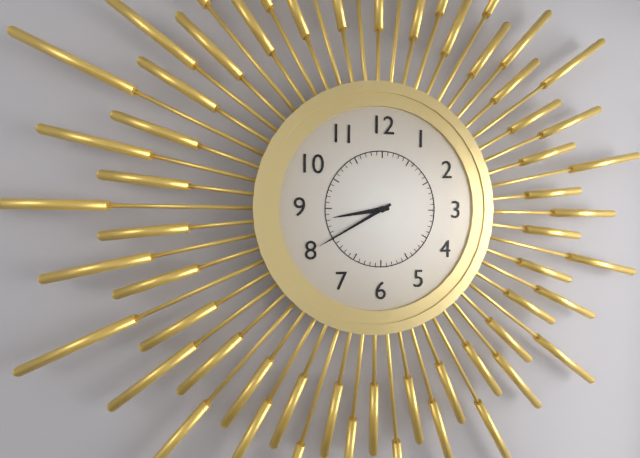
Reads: 8 h 40 min
